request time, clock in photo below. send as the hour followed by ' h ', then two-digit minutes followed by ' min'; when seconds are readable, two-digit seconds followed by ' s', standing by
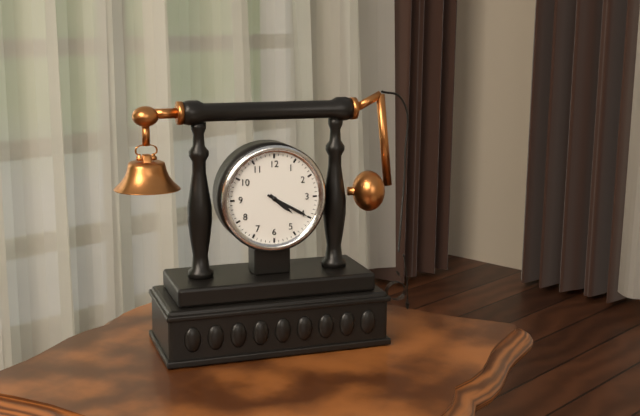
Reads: 4 h 20 min
